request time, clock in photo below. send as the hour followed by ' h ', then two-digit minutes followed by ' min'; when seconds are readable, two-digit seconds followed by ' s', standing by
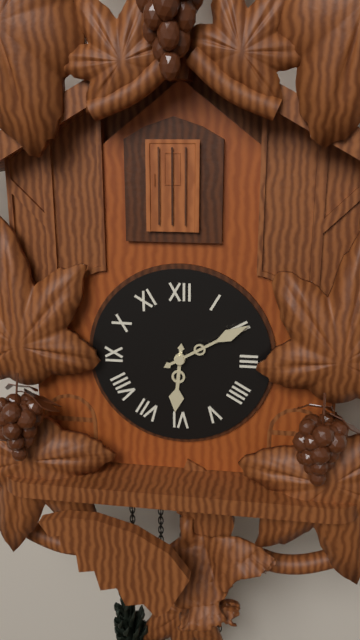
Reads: 6 h 10 min
